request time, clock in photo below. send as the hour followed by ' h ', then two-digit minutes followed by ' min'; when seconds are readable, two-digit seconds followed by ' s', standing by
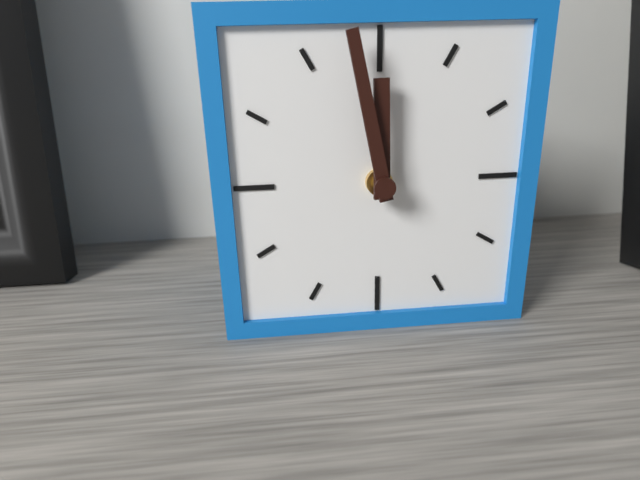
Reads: 11 h 58 min
